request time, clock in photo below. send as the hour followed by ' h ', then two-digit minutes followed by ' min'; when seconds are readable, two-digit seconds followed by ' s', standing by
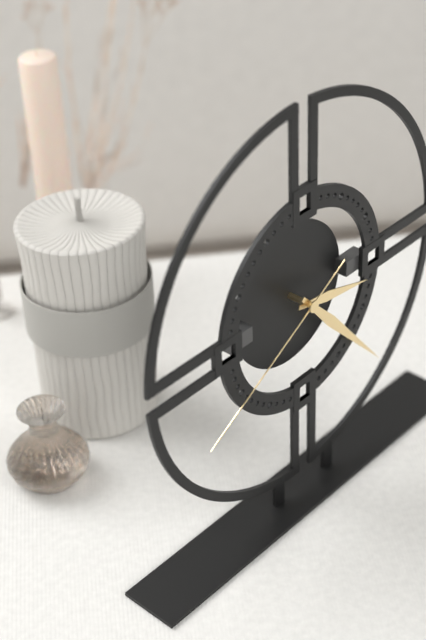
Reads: 3 h 23 min 40 s
